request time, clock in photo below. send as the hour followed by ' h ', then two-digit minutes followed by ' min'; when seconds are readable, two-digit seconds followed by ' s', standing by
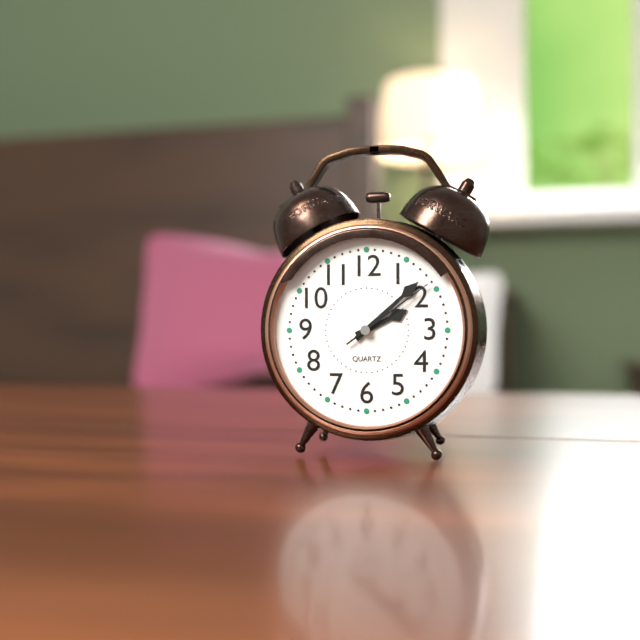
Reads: 2 h 08 min 09 s
